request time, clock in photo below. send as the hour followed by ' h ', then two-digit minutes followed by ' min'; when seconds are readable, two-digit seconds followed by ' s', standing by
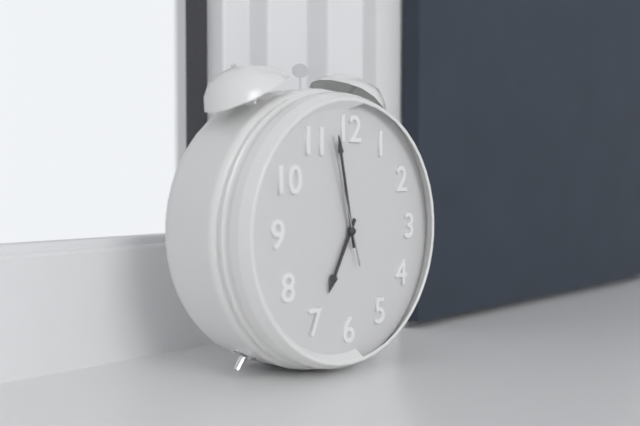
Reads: 6 h 58 min 57 s
